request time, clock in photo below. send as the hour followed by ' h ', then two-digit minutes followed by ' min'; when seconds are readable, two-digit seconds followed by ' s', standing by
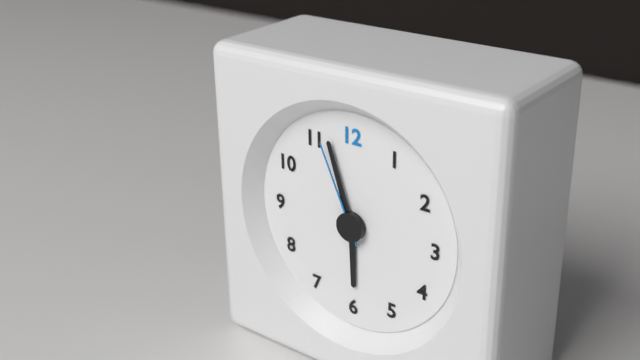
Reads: 5 h 57 min 56 s
